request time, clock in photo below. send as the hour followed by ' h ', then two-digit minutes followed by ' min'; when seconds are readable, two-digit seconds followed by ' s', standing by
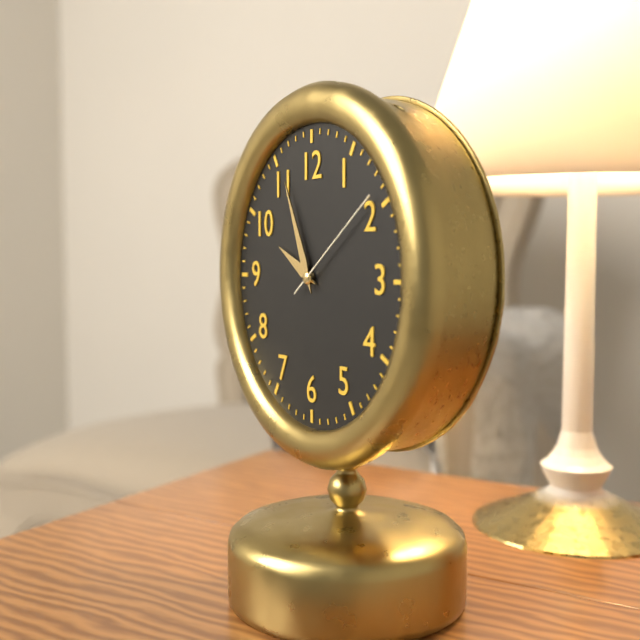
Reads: 9 h 56 min 09 s
